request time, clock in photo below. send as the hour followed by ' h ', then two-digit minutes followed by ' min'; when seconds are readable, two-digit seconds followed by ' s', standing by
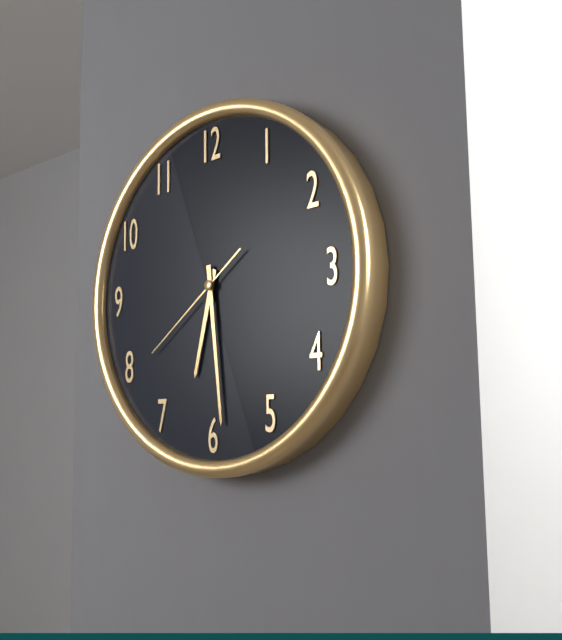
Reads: 6 h 29 min 39 s
